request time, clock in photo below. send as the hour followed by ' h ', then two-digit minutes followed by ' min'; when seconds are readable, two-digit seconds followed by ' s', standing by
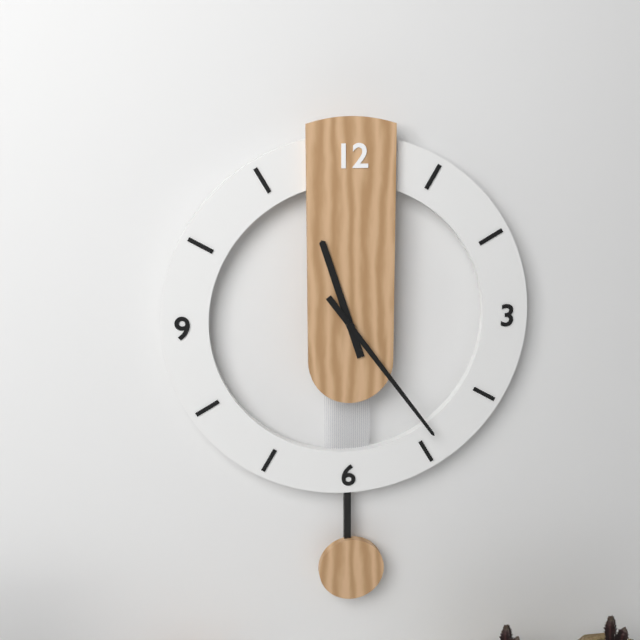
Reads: 11 h 24 min
